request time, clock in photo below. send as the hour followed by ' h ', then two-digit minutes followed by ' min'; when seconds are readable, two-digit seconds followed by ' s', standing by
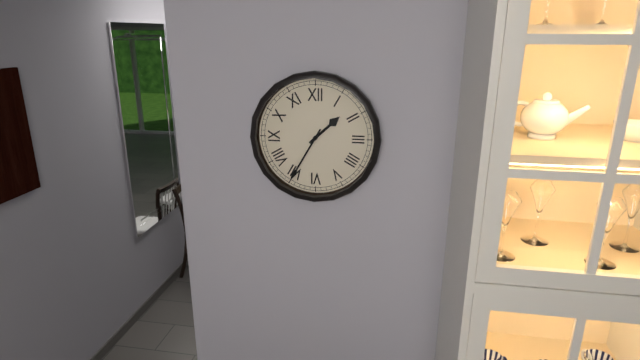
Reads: 1 h 35 min
